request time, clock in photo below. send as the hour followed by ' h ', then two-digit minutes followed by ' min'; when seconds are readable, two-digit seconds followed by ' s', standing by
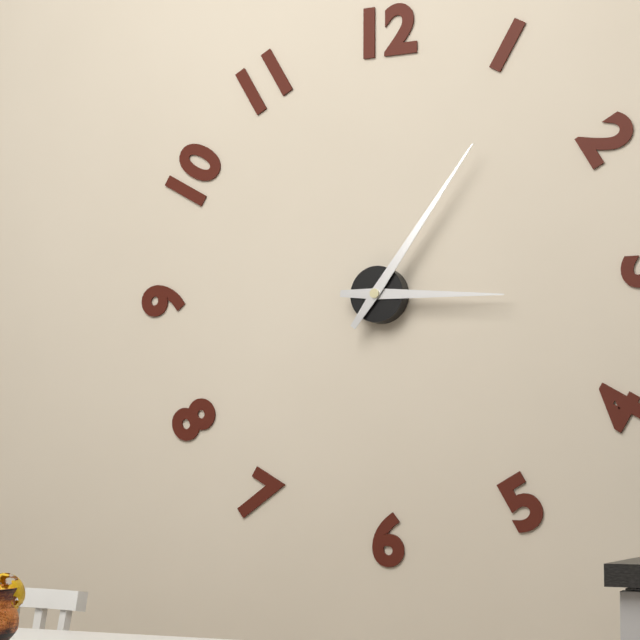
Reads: 3 h 06 min
